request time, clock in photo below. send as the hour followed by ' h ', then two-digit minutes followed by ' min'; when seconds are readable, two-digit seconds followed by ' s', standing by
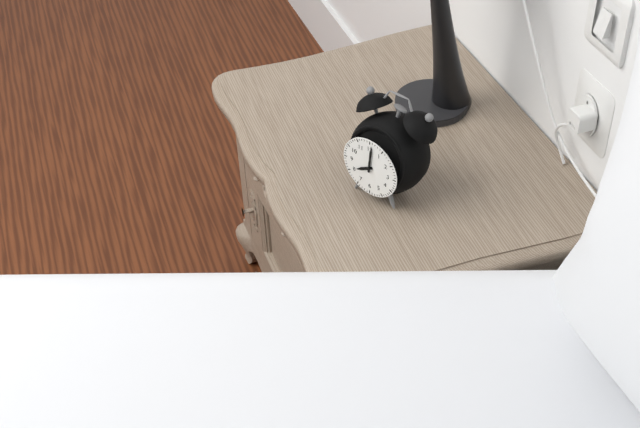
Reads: 8 h 01 min
